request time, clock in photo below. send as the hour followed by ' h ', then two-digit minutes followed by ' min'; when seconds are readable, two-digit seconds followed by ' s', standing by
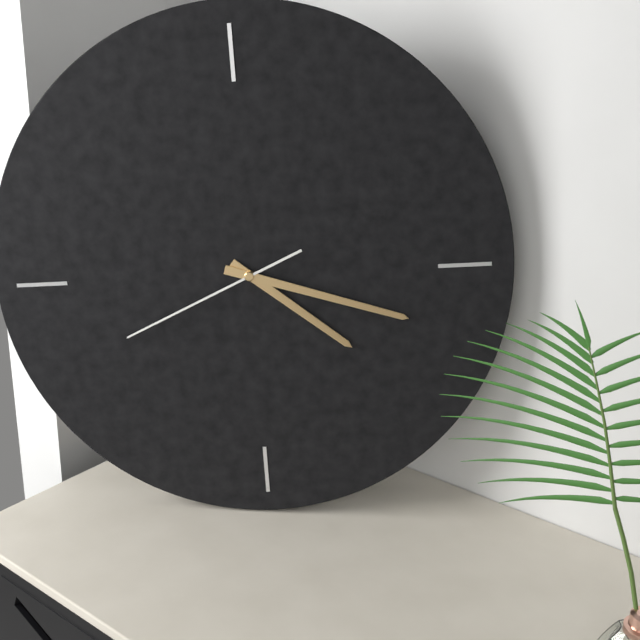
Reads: 4 h 18 min 41 s
